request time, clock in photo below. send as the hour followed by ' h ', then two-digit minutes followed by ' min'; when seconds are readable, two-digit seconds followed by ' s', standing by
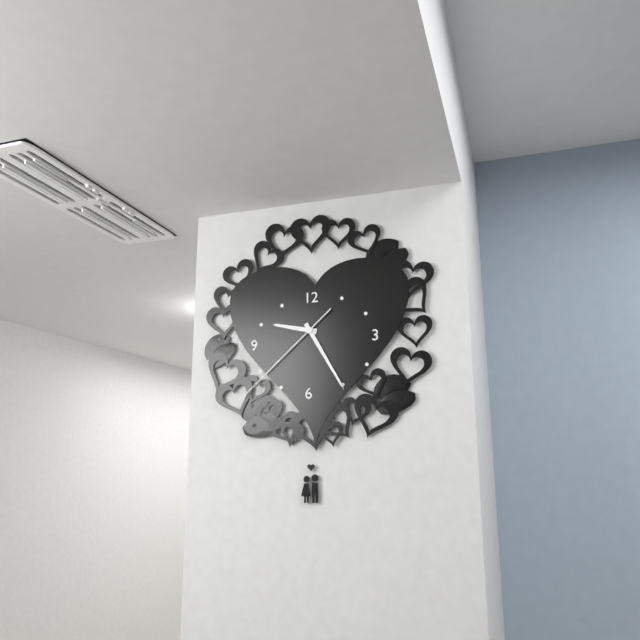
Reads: 9 h 25 min 38 s
